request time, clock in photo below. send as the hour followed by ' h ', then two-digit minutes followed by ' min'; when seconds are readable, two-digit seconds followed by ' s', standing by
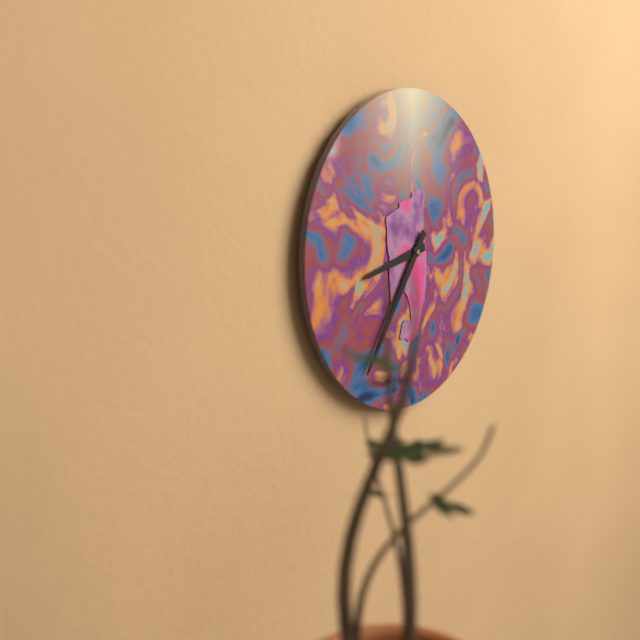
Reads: 8 h 36 min
